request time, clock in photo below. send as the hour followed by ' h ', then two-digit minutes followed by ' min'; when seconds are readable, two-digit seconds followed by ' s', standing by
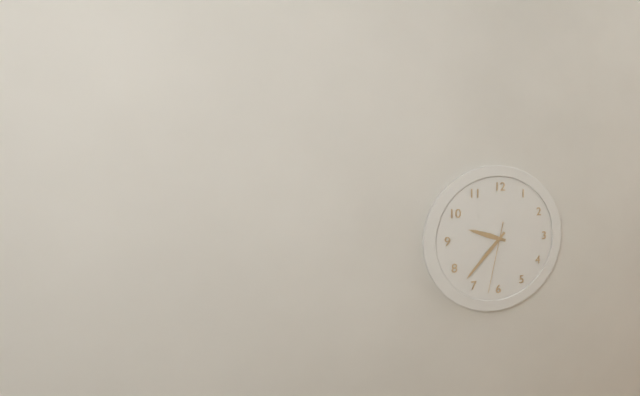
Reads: 9 h 37 min 32 s
